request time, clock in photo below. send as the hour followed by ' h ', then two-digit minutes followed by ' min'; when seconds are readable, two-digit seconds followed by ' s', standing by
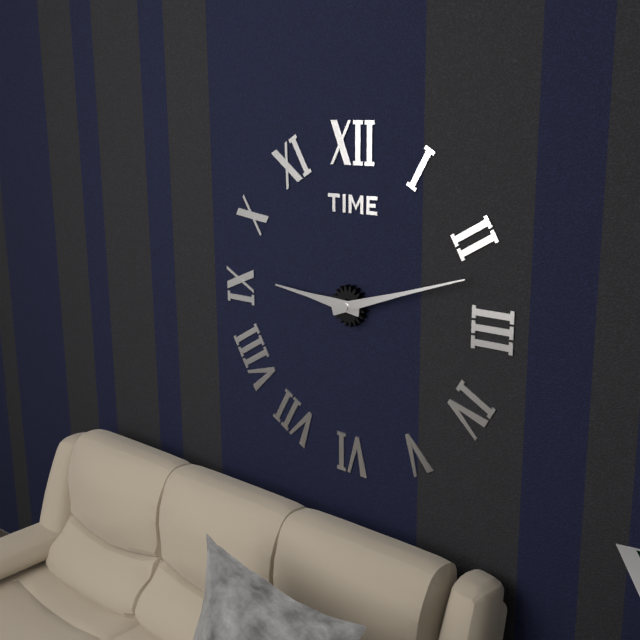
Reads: 9 h 12 min
